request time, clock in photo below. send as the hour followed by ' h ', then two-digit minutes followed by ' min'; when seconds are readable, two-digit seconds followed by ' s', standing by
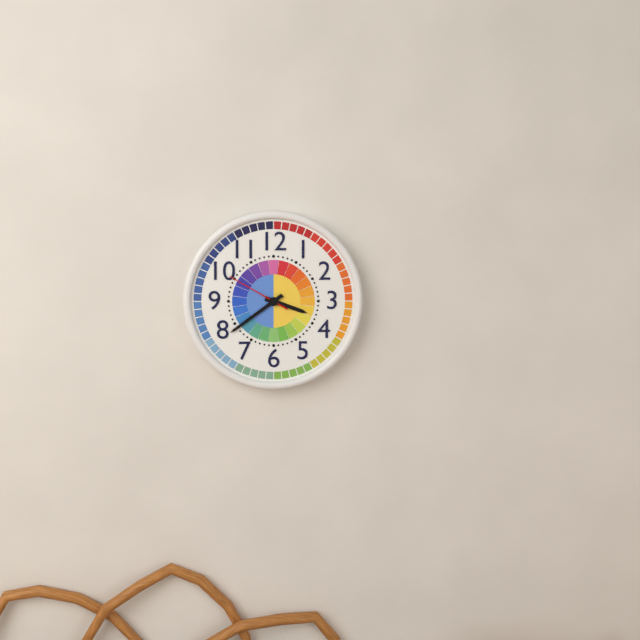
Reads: 3 h 39 min 50 s
